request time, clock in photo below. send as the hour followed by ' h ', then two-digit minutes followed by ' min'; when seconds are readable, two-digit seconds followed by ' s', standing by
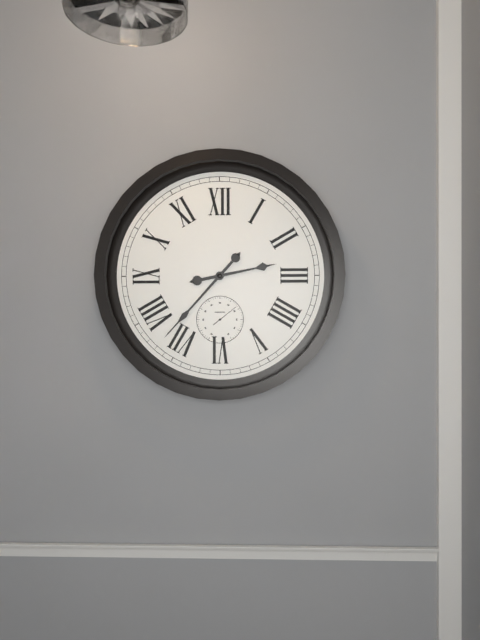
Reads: 2 h 37 min
